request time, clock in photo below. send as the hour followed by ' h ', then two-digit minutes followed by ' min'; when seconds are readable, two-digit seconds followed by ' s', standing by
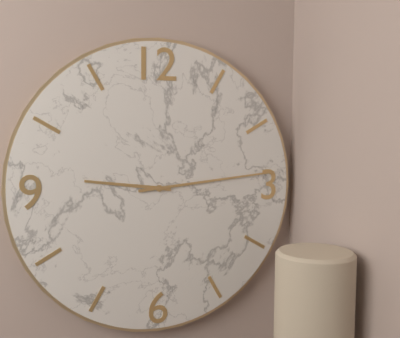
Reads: 9 h 14 min
